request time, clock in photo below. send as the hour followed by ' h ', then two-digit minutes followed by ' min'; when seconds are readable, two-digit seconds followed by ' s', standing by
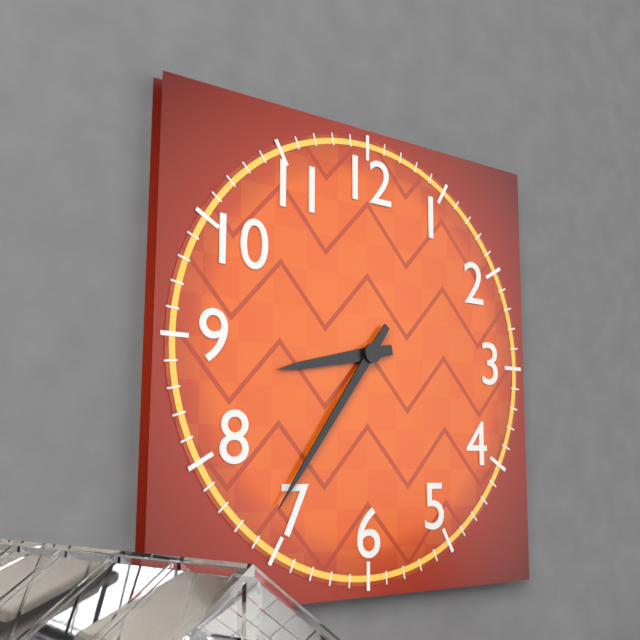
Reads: 8 h 36 min
